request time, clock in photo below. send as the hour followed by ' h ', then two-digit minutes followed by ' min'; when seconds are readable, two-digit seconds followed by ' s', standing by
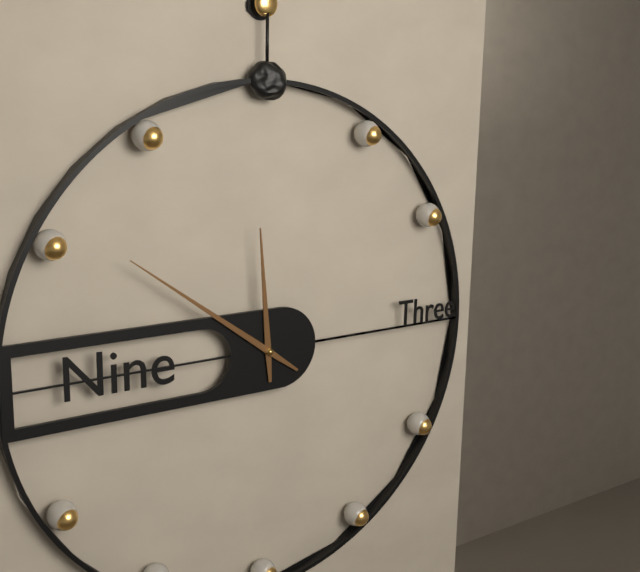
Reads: 11 h 51 min
